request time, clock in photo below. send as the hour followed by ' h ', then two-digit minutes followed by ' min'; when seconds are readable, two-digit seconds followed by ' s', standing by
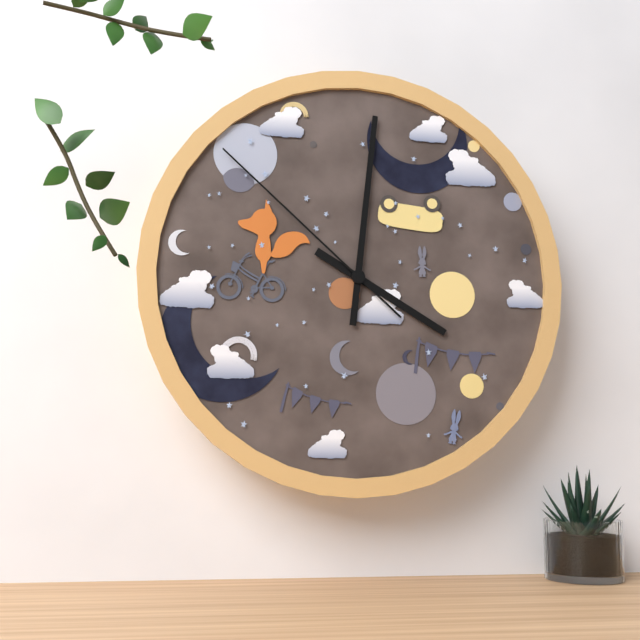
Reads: 4 h 01 min 52 s
